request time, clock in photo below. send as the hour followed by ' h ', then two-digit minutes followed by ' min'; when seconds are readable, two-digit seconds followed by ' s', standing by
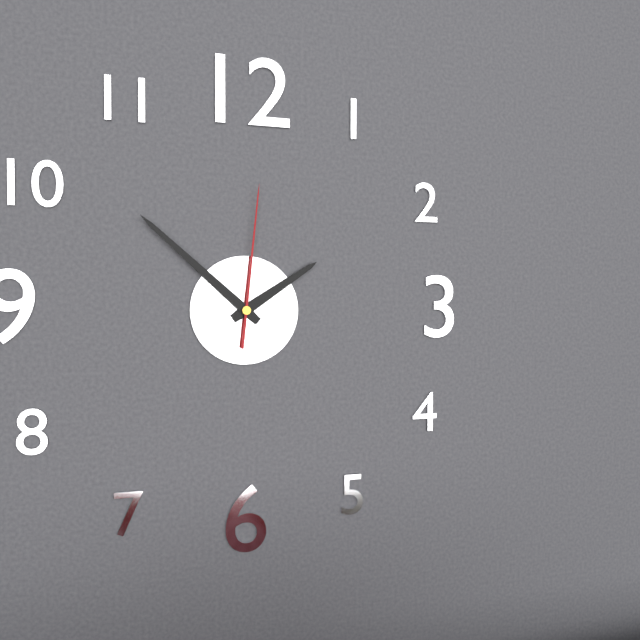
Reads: 1 h 52 min 01 s
